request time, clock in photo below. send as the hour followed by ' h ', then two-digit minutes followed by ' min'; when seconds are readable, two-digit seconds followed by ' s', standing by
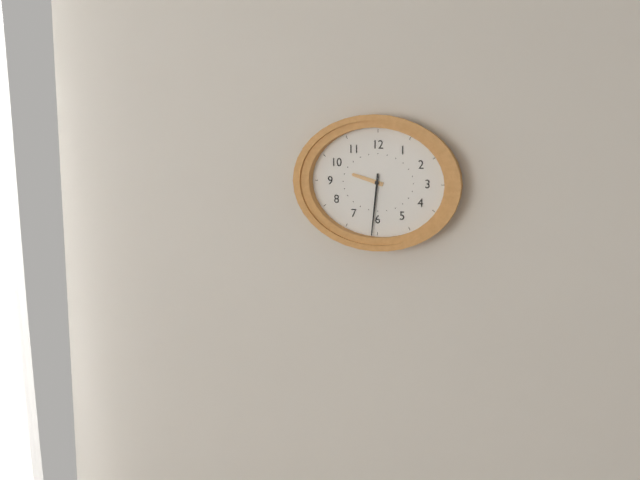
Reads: 9 h 31 min
